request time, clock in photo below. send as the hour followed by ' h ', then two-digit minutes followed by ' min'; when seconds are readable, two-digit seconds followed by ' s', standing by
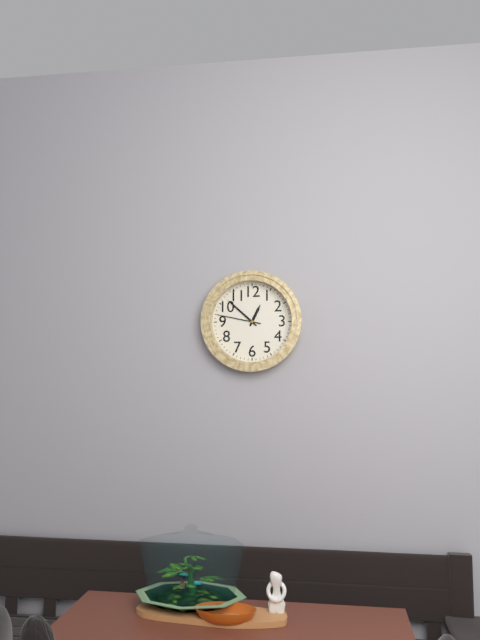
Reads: 12 h 52 min
